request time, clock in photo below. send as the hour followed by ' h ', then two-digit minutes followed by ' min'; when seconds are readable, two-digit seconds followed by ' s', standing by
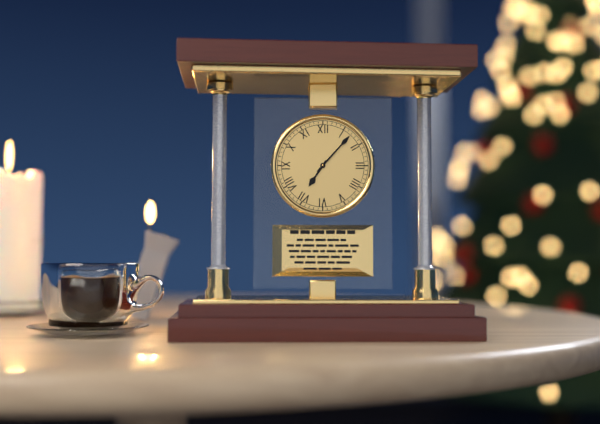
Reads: 7 h 07 min
